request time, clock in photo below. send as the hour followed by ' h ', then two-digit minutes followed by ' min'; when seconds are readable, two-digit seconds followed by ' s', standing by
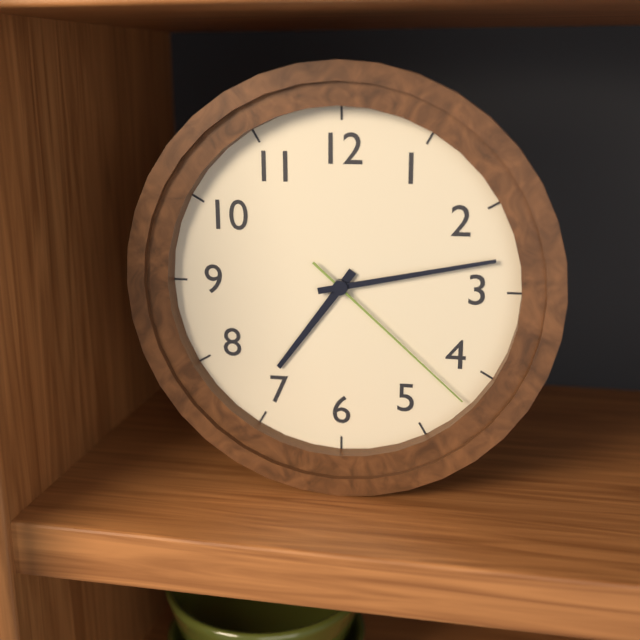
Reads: 7 h 13 min 22 s
